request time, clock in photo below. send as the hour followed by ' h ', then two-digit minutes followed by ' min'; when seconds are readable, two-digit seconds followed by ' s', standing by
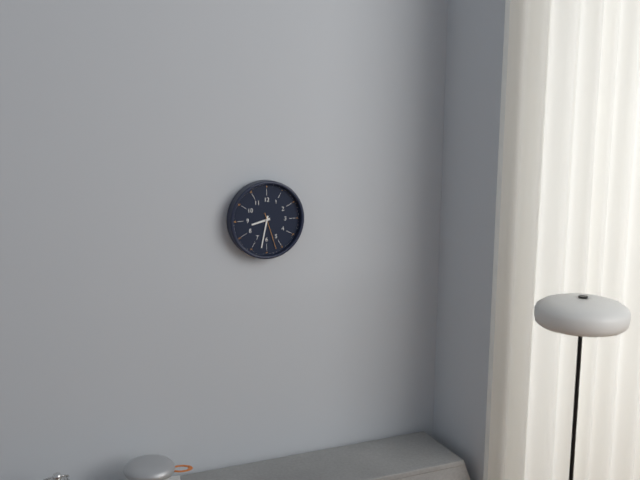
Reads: 8 h 32 min
